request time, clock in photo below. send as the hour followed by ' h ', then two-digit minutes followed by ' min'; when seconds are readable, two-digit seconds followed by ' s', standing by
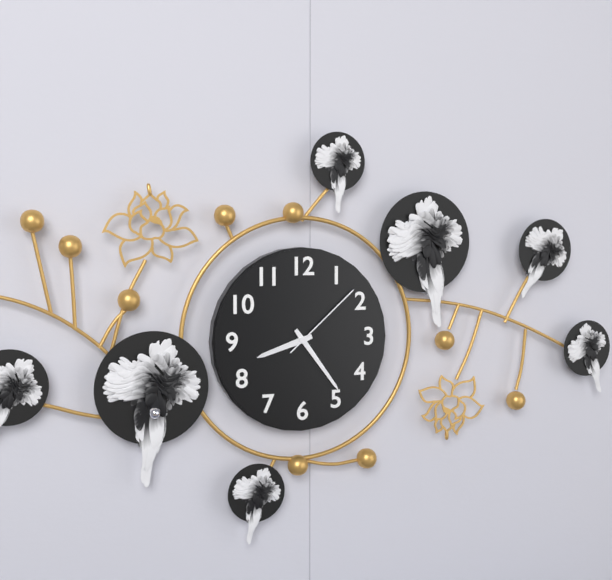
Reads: 8 h 24 min 08 s
